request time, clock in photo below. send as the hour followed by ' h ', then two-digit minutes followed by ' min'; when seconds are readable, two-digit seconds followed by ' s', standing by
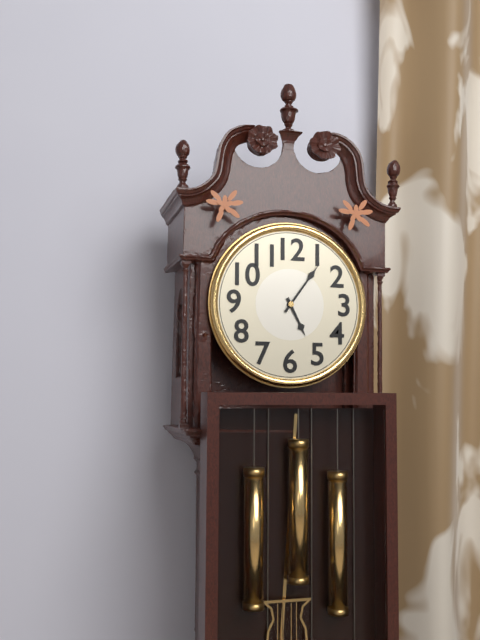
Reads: 5 h 06 min
